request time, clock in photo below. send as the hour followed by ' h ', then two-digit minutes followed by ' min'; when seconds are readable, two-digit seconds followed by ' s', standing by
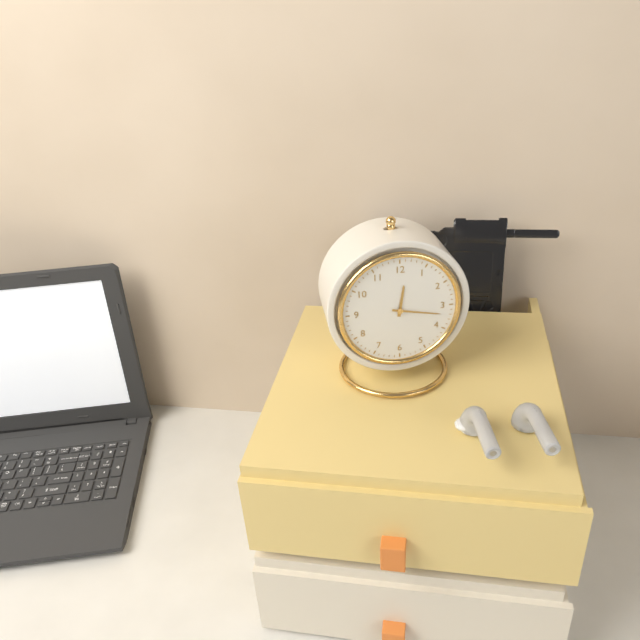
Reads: 12 h 17 min
